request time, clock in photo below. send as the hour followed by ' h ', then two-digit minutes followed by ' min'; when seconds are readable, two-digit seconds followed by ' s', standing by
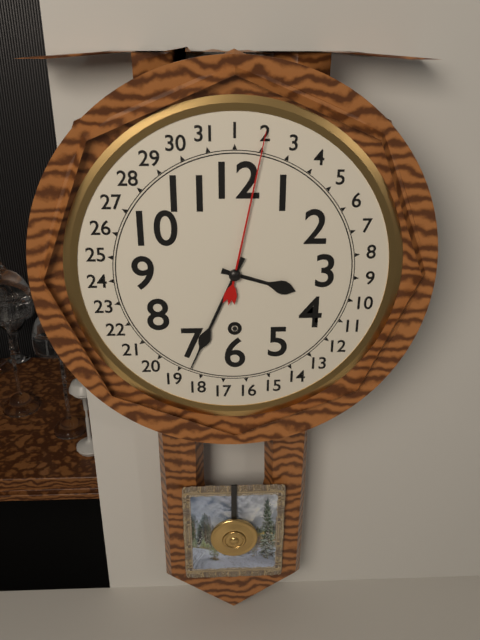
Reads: 3 h 34 min
